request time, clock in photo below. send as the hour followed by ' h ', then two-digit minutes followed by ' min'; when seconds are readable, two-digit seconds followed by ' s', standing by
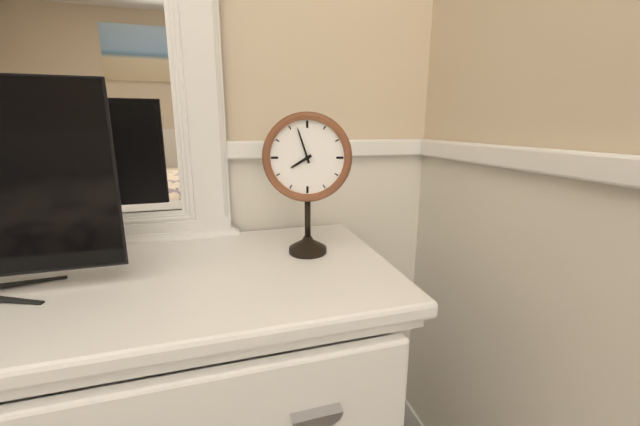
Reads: 7 h 57 min
